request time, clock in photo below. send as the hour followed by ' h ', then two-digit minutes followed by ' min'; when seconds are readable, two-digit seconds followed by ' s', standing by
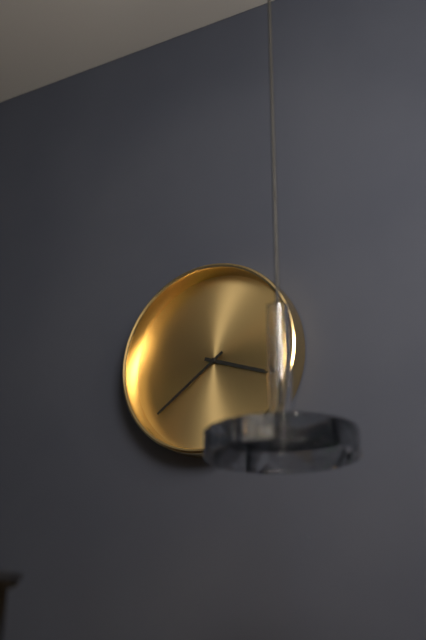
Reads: 3 h 39 min
